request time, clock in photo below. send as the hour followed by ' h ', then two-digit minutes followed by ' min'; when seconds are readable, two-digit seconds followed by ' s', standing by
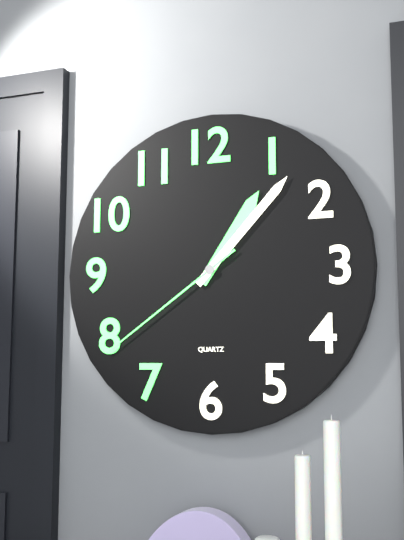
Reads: 1 h 07 min 39 s
